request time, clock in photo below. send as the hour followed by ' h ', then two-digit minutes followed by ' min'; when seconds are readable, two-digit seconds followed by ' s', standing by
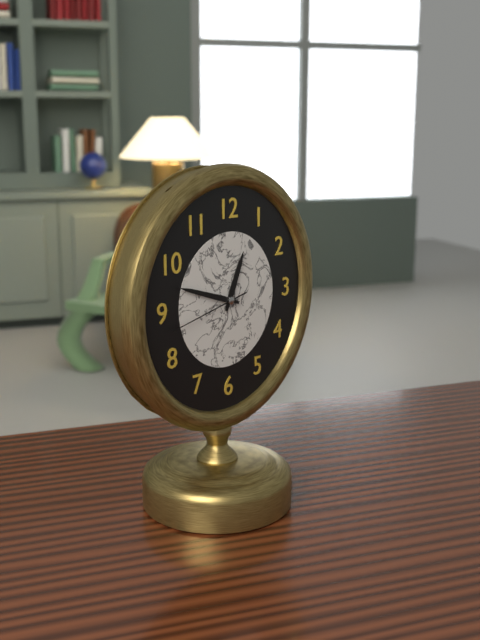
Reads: 12 h 48 min 43 s
